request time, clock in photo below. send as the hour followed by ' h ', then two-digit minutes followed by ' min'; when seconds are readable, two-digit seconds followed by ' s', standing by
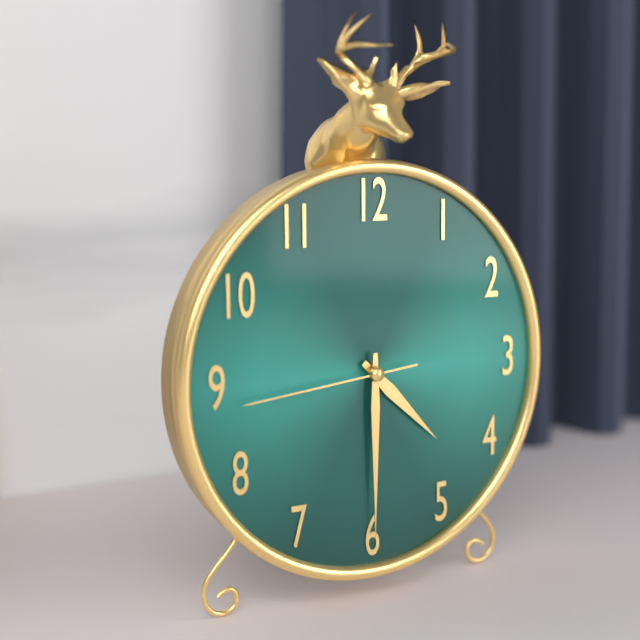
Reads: 4 h 30 min 44 s
